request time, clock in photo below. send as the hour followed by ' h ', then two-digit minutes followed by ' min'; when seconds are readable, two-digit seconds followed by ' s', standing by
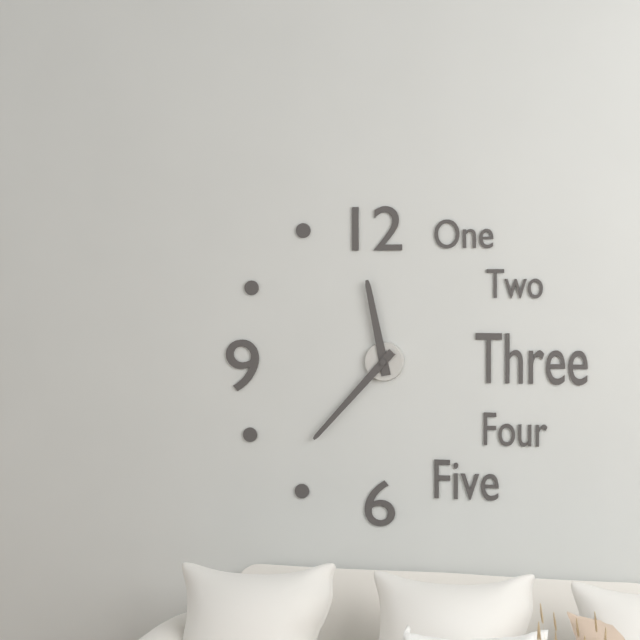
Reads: 11 h 37 min
